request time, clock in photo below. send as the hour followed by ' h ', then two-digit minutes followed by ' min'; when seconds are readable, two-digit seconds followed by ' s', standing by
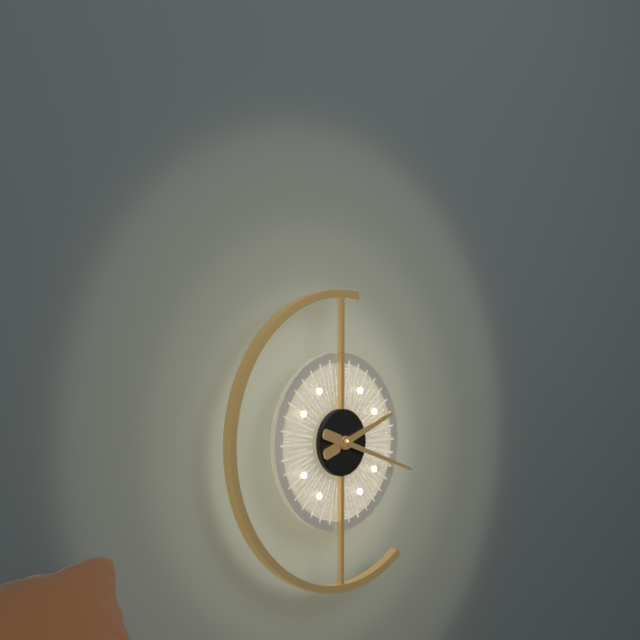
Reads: 2 h 18 min
